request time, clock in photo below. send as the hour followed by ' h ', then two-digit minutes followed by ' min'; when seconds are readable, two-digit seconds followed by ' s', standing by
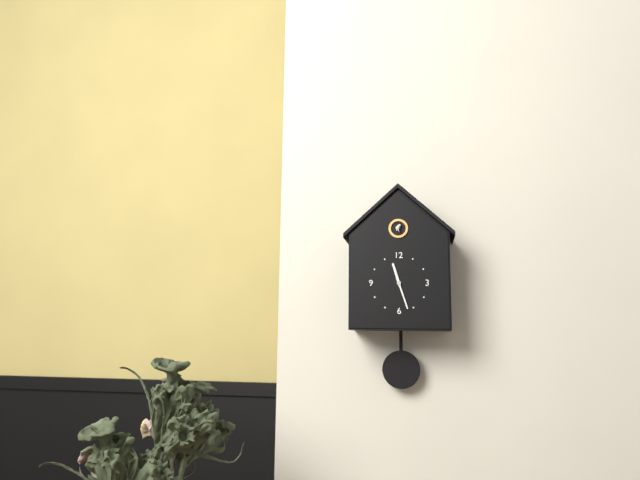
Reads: 11 h 27 min
